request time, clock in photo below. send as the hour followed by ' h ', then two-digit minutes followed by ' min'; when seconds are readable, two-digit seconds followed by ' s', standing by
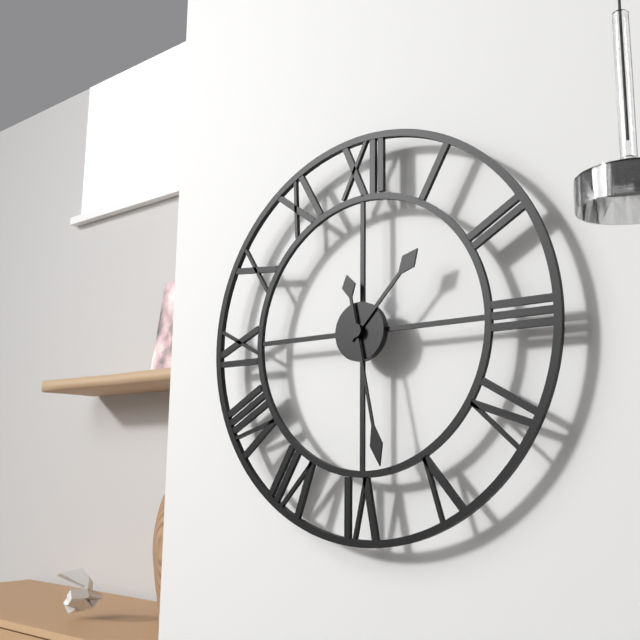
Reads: 1 h 28 min
